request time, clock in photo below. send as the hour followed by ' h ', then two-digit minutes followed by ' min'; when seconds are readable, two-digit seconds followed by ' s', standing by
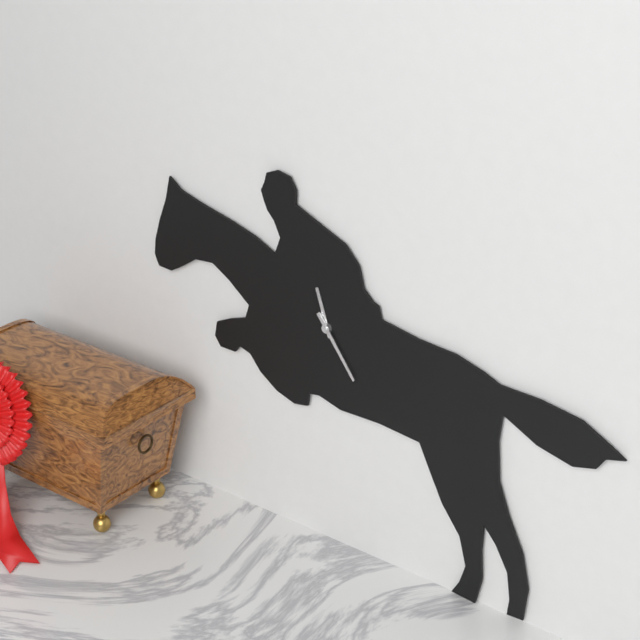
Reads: 11 h 24 min
